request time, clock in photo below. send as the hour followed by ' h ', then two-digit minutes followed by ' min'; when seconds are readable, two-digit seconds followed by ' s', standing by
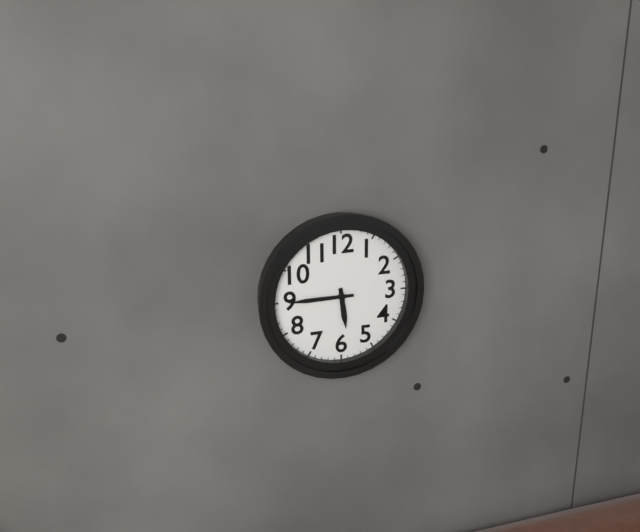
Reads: 5 h 45 min
